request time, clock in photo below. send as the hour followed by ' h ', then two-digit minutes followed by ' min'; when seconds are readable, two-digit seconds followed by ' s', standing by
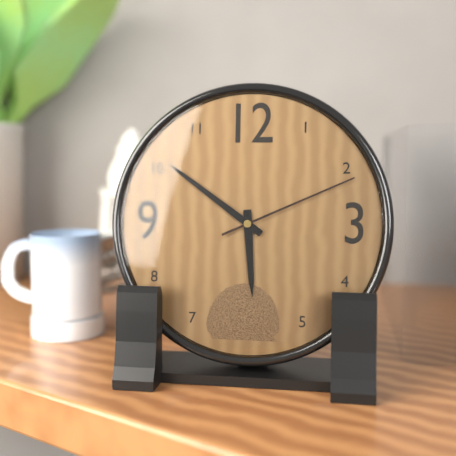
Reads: 5 h 51 min 11 s
